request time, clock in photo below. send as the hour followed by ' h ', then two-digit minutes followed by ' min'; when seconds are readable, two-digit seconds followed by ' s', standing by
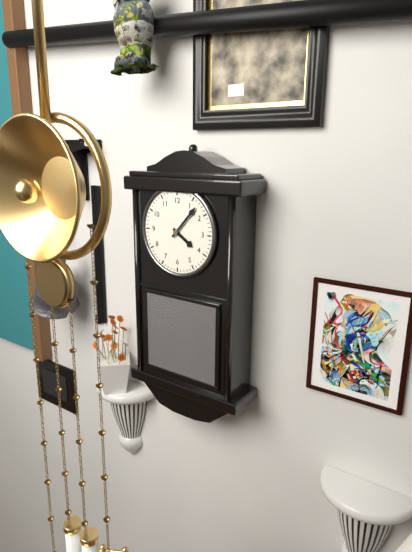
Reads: 4 h 07 min
